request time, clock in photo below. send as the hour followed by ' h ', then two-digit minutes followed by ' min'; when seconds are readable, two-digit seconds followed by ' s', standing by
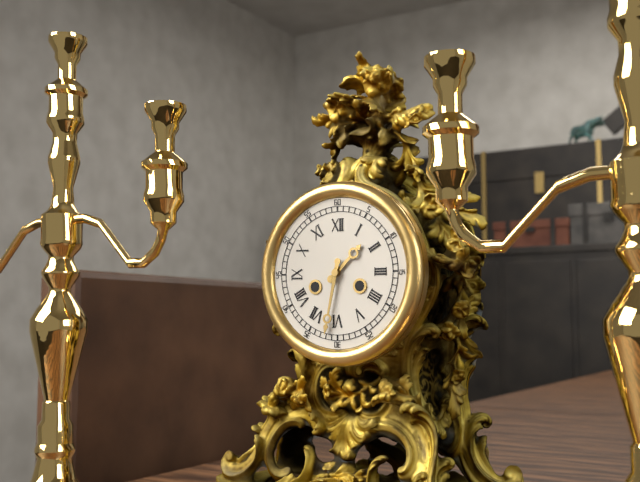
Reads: 1 h 32 min
